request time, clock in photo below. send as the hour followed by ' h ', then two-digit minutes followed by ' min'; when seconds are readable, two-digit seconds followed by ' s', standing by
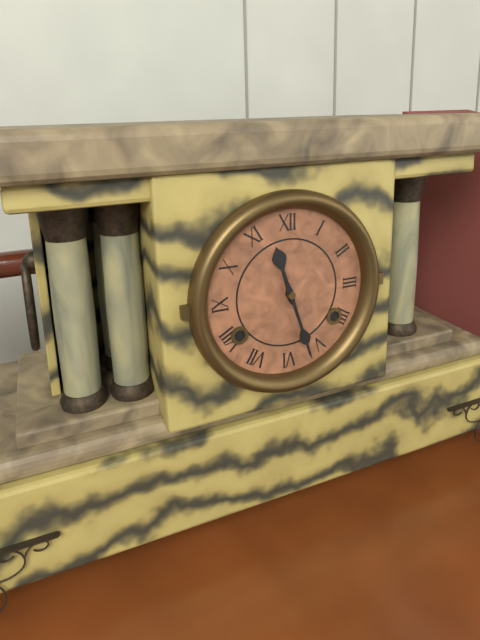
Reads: 11 h 27 min
